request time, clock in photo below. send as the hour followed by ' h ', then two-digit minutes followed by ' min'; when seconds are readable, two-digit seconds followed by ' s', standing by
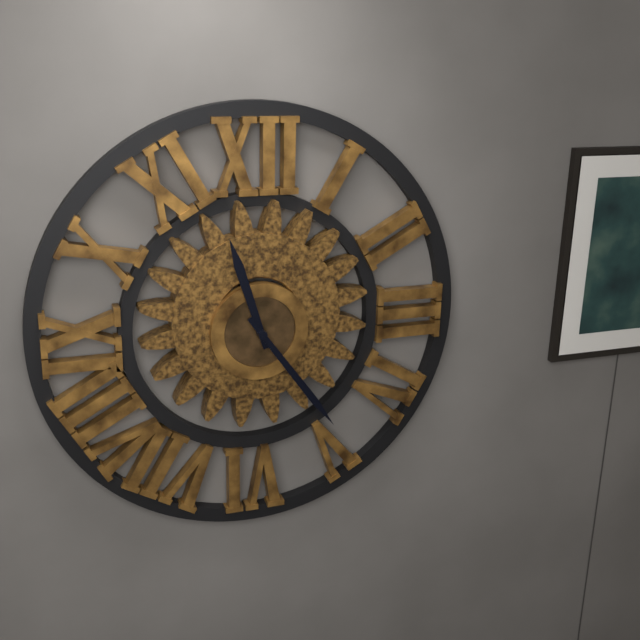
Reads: 11 h 24 min
